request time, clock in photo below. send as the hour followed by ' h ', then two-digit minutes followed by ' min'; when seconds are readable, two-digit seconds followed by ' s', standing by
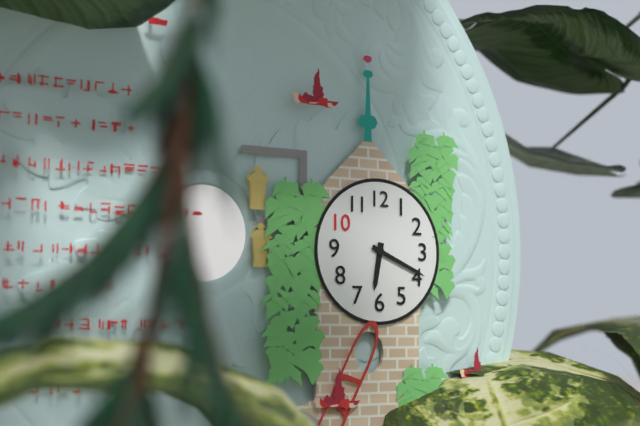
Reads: 6 h 19 min
